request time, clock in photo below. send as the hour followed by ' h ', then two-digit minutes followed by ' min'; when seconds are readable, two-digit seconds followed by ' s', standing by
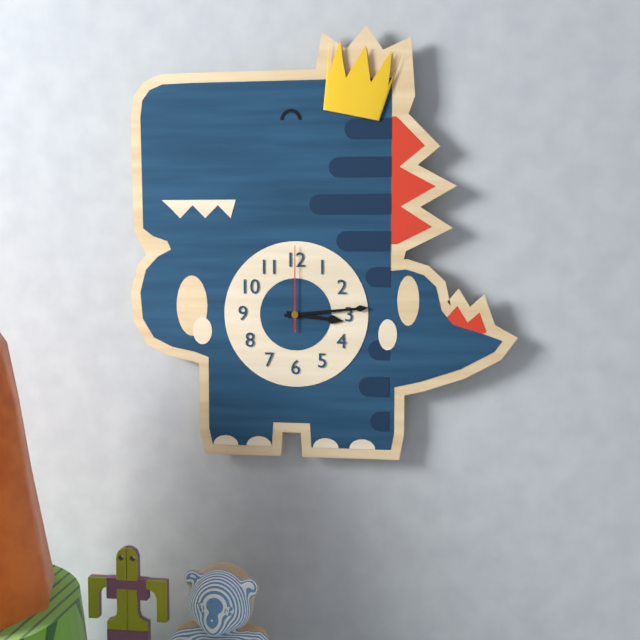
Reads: 3 h 14 min 00 s
